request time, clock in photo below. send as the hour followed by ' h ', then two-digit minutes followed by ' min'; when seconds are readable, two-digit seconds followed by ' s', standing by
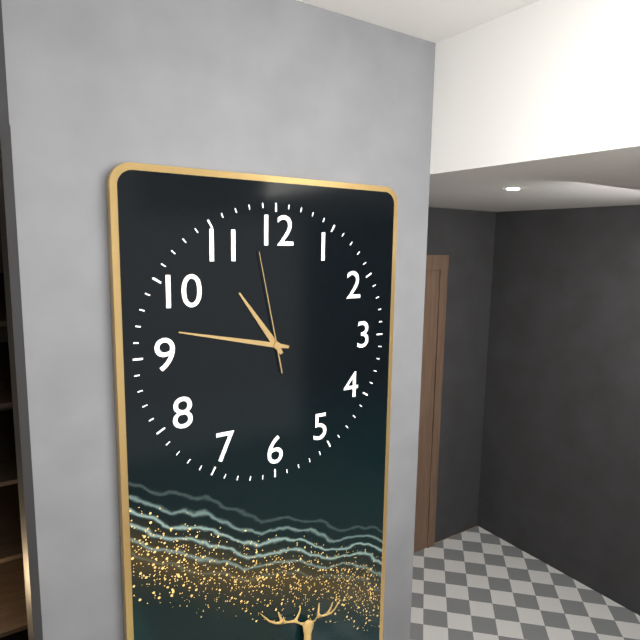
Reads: 10 h 47 min 58 s
